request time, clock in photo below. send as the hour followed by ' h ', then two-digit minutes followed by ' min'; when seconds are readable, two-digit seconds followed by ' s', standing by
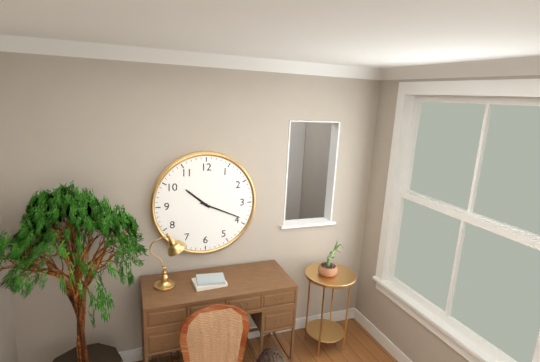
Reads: 10 h 19 min
